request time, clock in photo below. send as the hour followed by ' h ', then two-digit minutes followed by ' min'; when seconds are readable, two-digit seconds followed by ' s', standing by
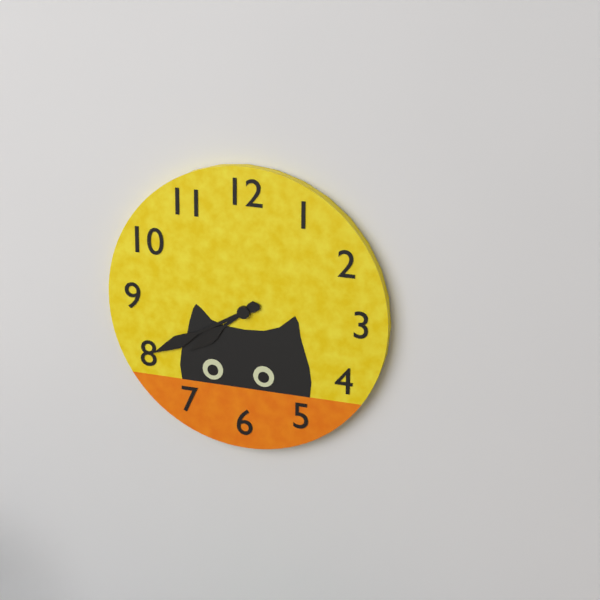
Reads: 7 h 40 min
